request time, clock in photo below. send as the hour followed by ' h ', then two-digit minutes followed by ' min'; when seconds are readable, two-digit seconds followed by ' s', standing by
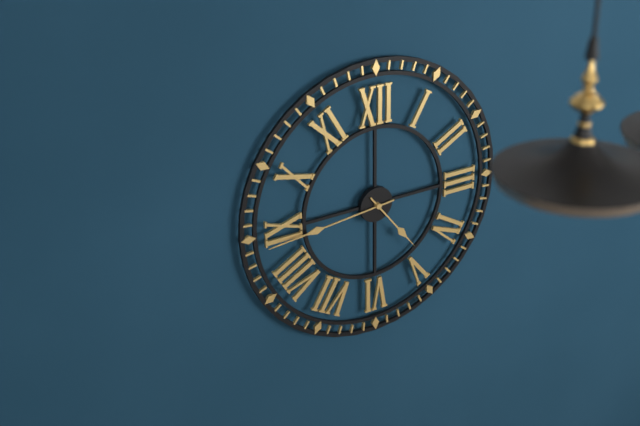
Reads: 4 h 44 min
